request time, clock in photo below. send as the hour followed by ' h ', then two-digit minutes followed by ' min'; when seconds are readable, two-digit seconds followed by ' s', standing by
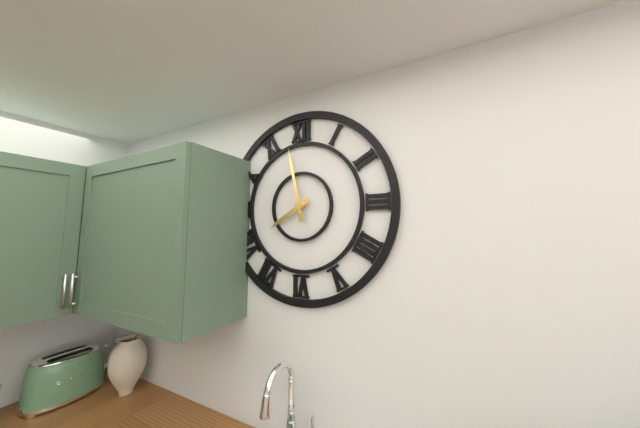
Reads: 7 h 58 min
